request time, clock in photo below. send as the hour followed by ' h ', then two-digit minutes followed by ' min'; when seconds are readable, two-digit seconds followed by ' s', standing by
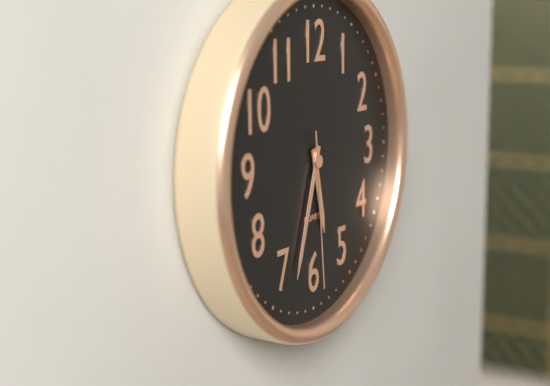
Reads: 5 h 33 min 29 s
